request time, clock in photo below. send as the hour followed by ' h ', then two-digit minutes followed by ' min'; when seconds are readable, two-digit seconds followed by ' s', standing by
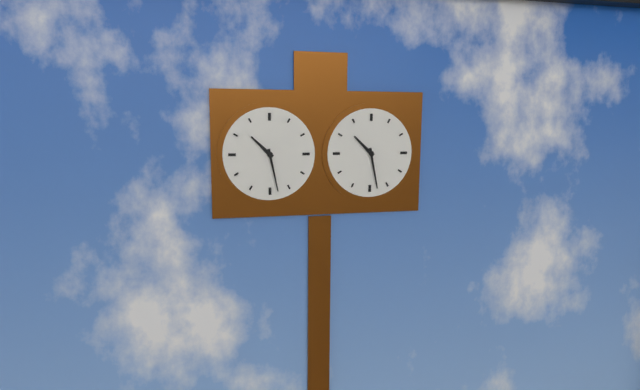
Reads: 10 h 28 min
